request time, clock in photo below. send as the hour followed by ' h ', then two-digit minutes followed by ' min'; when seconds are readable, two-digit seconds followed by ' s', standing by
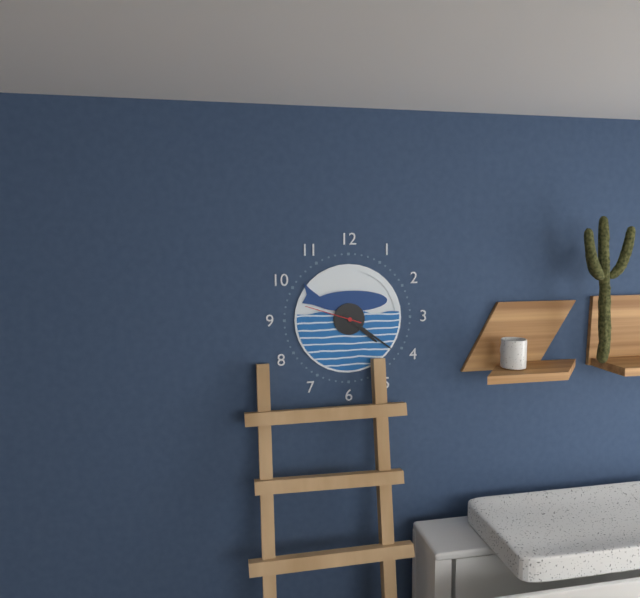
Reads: 4 h 21 min 48 s
